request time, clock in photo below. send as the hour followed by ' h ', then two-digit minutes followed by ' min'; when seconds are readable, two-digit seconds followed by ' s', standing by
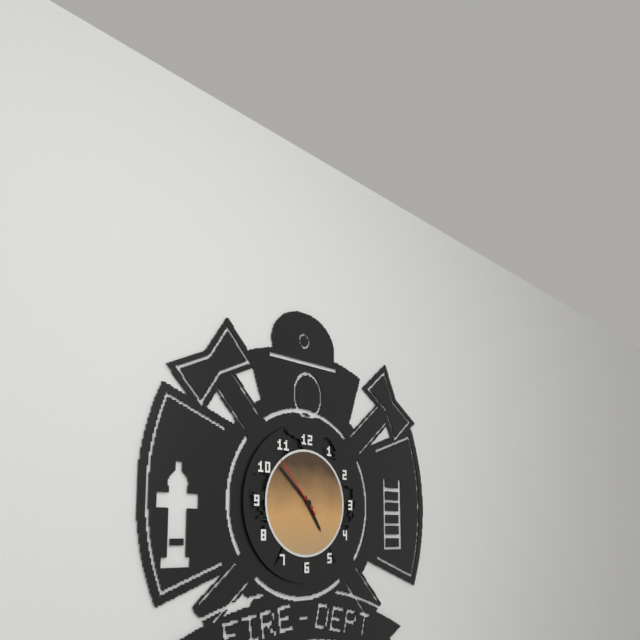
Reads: 4 h 52 min 53 s
